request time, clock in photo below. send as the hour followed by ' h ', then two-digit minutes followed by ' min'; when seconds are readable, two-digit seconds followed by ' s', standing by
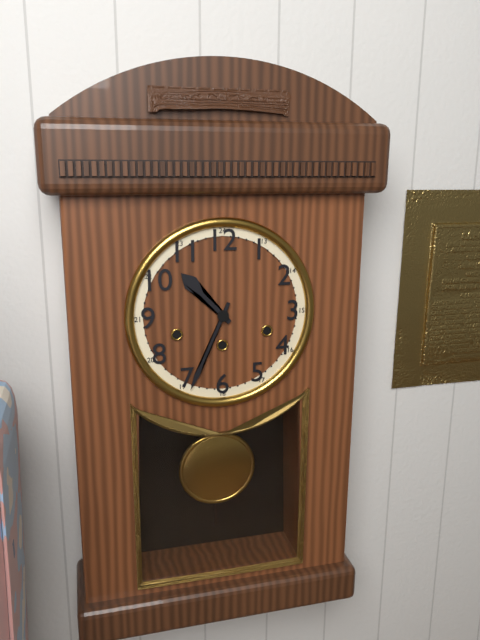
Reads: 10 h 34 min
